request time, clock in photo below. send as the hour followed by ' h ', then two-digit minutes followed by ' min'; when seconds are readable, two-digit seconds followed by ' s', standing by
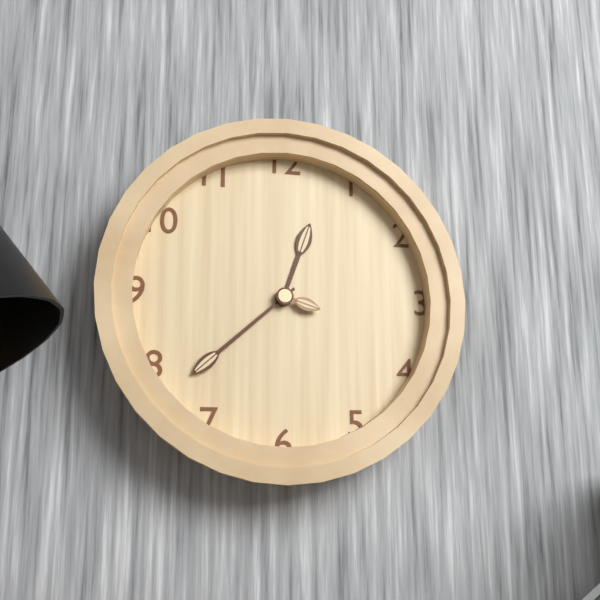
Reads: 12 h 38 min
